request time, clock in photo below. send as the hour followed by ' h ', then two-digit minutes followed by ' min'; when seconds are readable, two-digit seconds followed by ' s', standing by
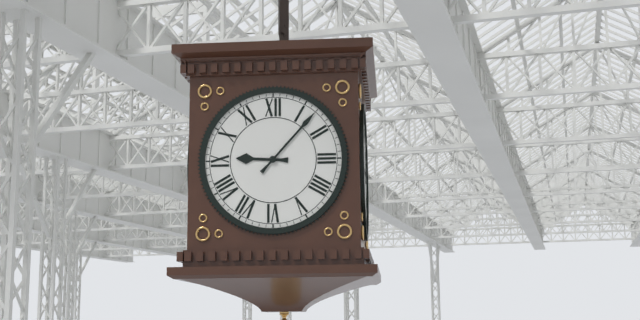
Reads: 9 h 07 min
